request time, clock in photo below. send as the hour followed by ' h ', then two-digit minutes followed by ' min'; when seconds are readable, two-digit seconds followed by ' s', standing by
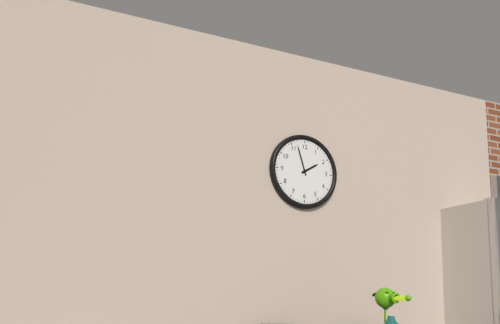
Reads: 1 h 57 min
